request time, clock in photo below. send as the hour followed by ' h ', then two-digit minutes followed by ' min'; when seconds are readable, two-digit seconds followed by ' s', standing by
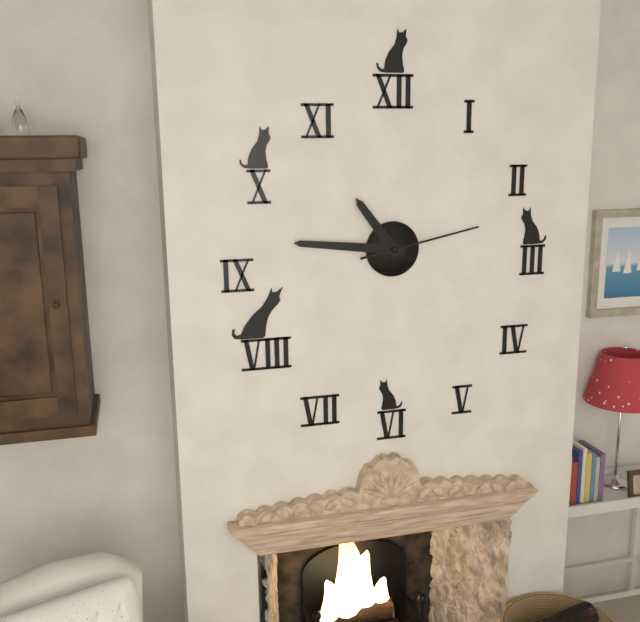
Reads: 10 h 46 min 13 s
